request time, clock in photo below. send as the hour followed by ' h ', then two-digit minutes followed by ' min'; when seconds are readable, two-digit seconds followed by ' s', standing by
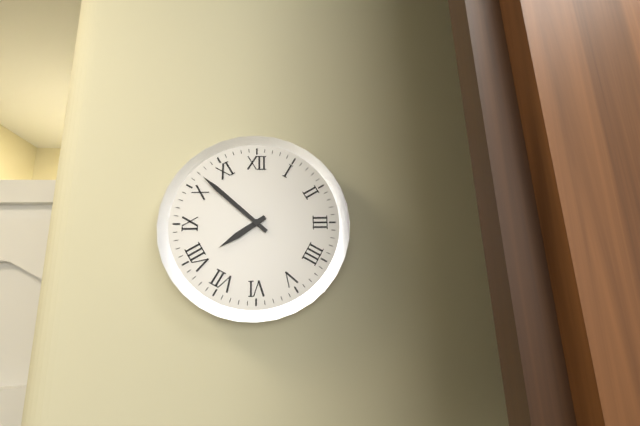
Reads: 7 h 52 min
